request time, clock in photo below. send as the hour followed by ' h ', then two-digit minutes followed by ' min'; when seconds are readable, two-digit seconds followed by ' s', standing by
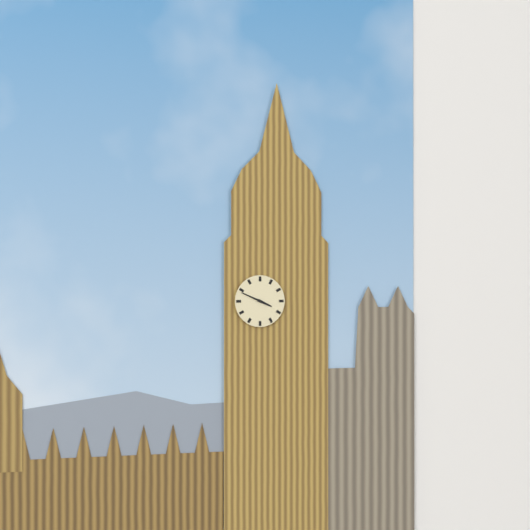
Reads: 3 h 49 min
